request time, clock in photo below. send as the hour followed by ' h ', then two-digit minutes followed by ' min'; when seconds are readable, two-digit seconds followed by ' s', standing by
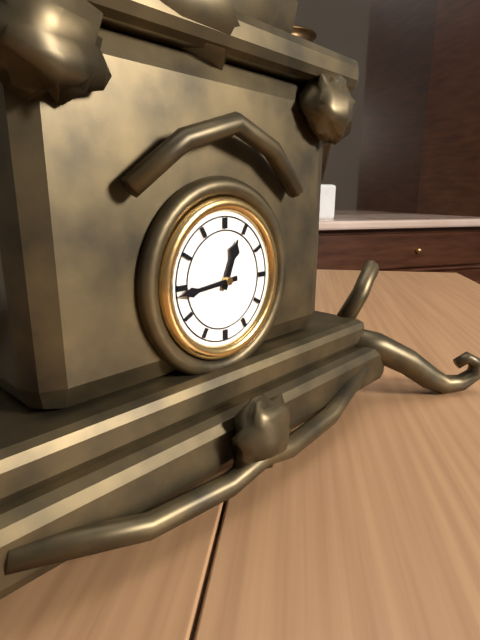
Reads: 12 h 44 min
